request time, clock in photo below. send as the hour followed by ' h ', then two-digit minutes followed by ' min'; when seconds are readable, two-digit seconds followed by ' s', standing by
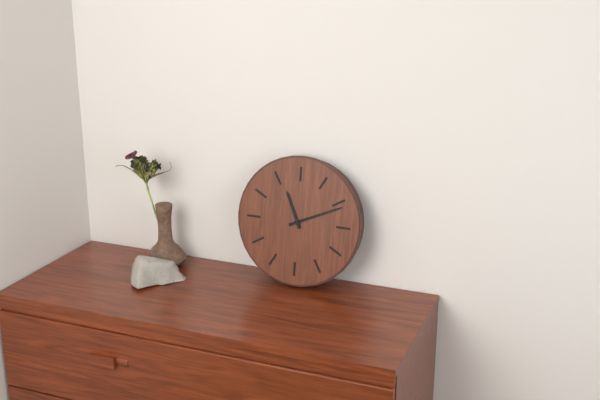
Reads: 11 h 11 min
